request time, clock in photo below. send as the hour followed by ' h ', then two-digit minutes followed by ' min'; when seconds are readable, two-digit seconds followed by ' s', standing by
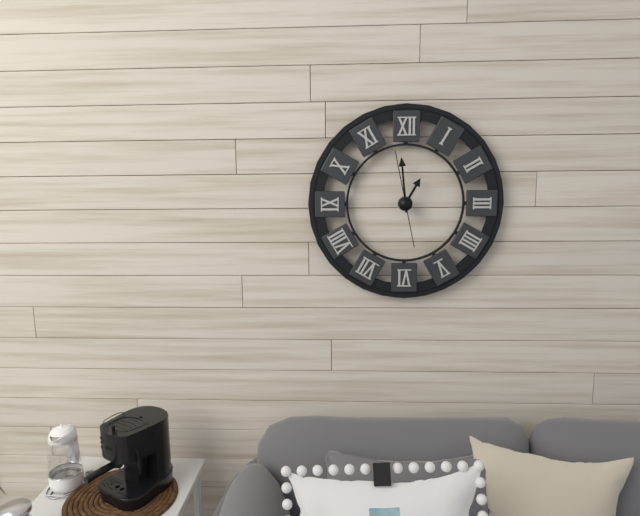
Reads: 12 h 59 min 58 s
